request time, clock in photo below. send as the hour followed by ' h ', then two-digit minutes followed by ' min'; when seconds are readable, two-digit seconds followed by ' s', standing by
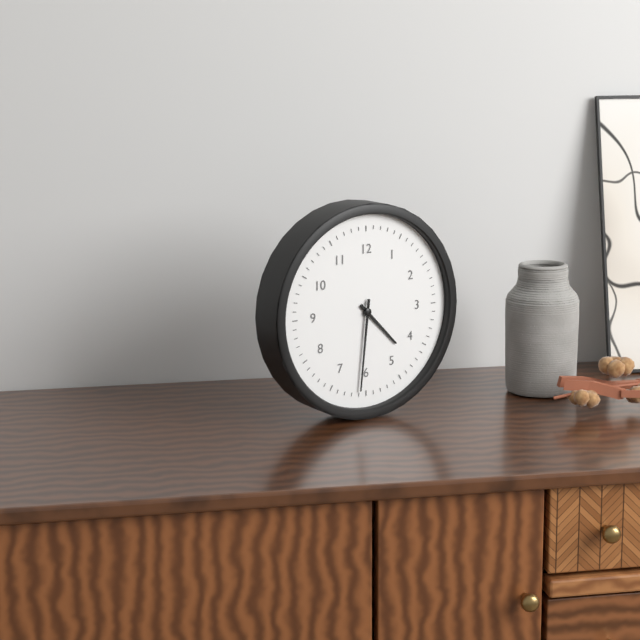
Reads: 4 h 31 min
